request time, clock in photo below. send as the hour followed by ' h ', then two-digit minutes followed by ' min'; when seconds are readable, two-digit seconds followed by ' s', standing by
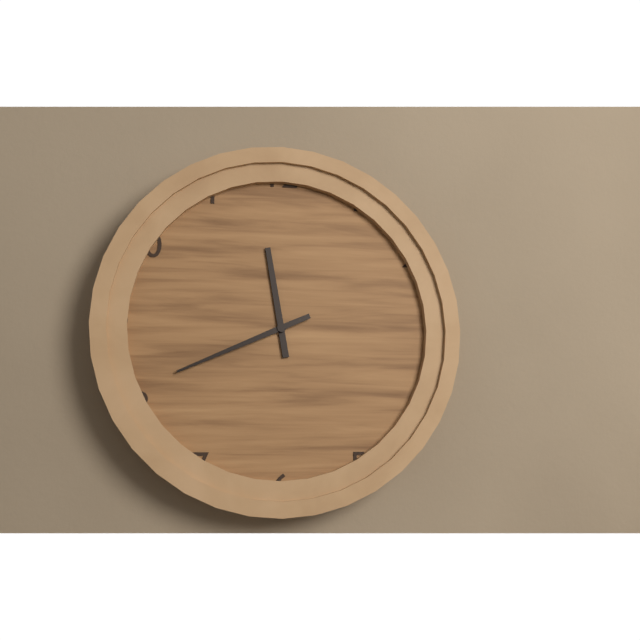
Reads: 11 h 41 min
